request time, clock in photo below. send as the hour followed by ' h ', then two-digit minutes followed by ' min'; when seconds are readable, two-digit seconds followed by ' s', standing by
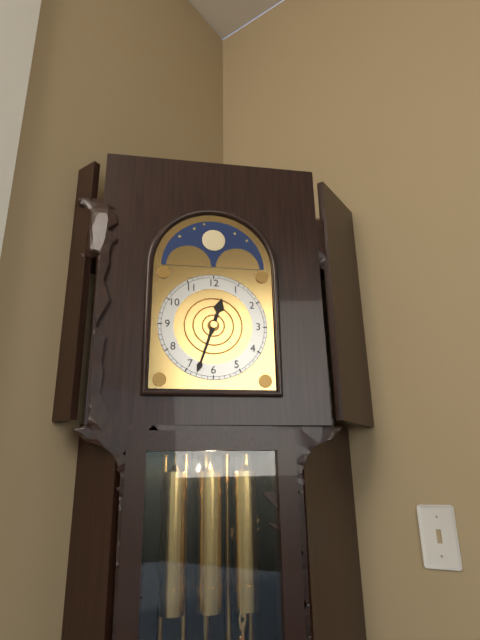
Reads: 12 h 33 min
